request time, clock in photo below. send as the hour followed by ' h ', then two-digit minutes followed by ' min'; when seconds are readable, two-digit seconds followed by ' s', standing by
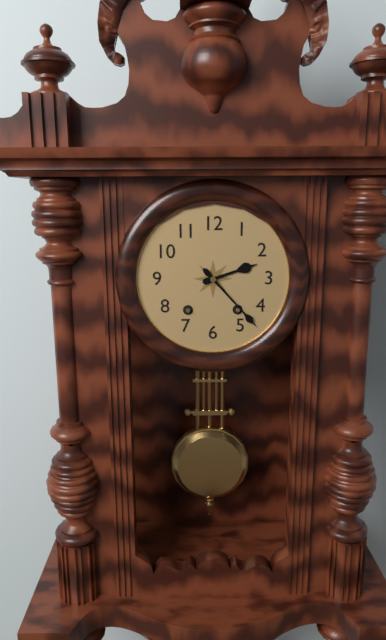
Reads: 2 h 23 min
